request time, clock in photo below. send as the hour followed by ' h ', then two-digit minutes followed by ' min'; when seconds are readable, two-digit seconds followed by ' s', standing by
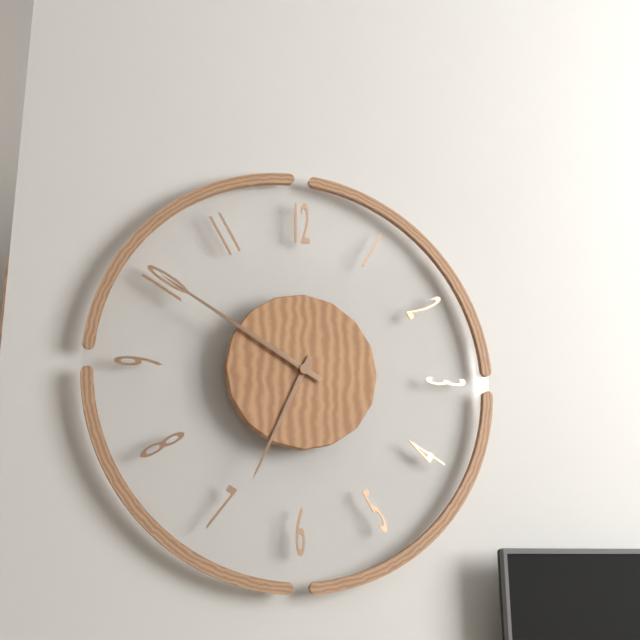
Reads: 6 h 50 min
